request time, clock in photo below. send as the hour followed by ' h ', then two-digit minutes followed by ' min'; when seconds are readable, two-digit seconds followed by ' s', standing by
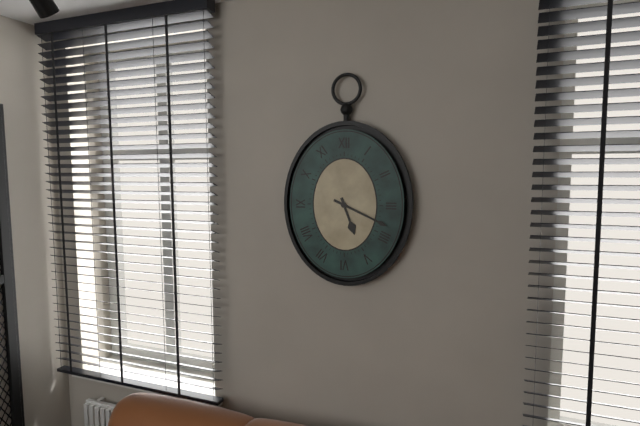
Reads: 5 h 19 min
